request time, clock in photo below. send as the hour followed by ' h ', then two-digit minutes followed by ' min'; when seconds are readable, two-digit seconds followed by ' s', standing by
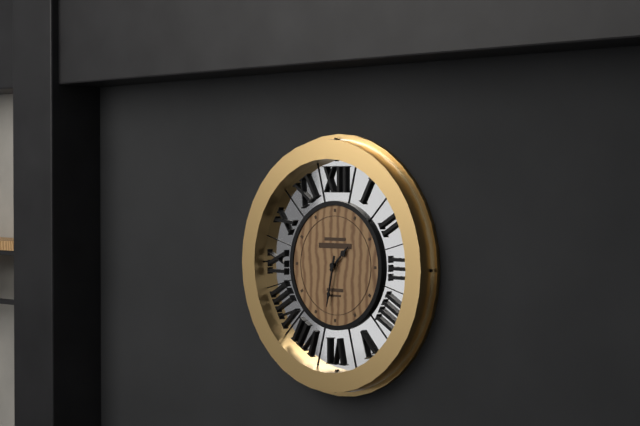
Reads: 1 h 32 min
